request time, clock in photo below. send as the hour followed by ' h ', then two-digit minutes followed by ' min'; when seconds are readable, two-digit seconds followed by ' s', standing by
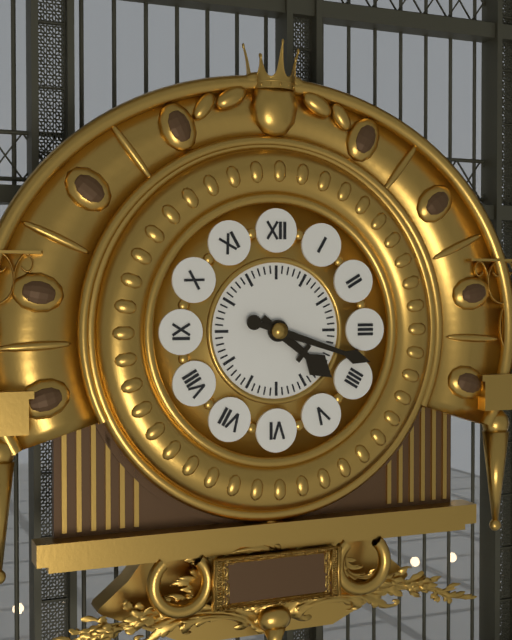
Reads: 4 h 18 min
